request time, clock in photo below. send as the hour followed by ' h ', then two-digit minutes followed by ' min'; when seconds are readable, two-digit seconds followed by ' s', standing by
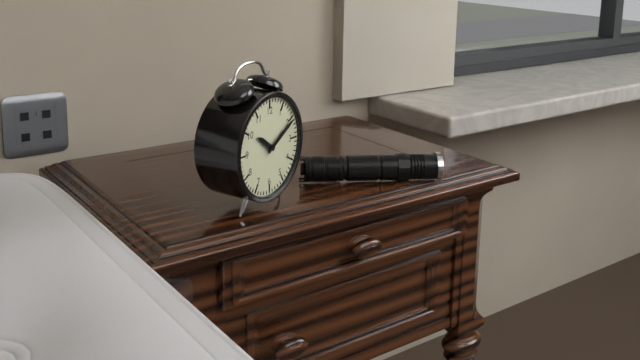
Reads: 10 h 10 min
